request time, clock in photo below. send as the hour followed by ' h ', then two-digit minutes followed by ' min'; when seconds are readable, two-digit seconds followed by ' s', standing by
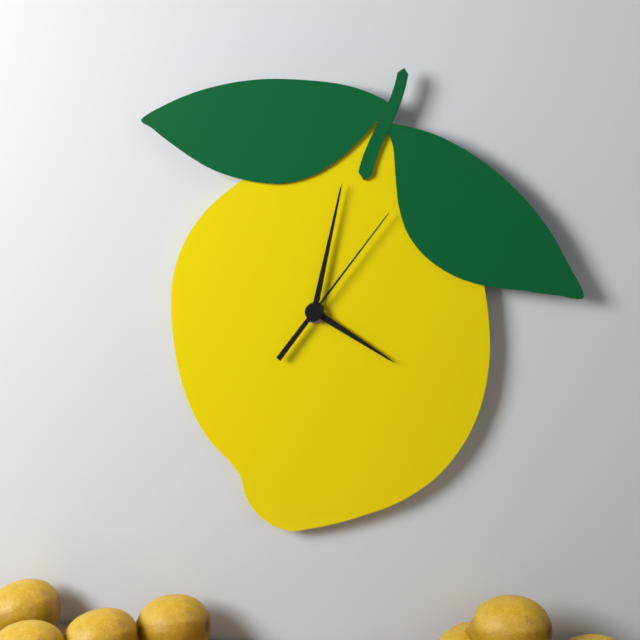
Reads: 4 h 02 min 06 s
